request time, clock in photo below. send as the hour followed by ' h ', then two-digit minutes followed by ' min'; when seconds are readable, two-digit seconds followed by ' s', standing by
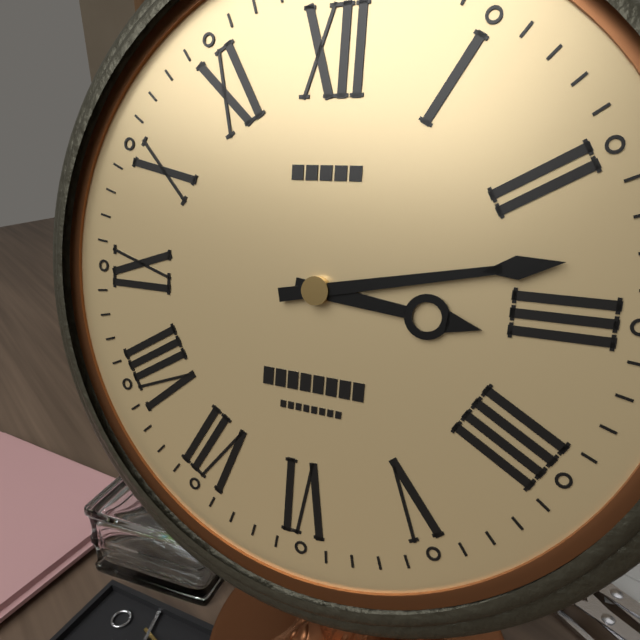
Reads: 3 h 13 min
